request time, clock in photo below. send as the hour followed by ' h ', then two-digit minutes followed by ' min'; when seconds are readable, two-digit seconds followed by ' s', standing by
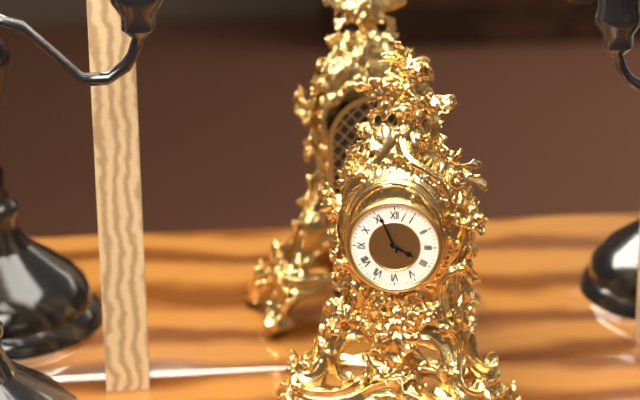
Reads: 3 h 56 min
